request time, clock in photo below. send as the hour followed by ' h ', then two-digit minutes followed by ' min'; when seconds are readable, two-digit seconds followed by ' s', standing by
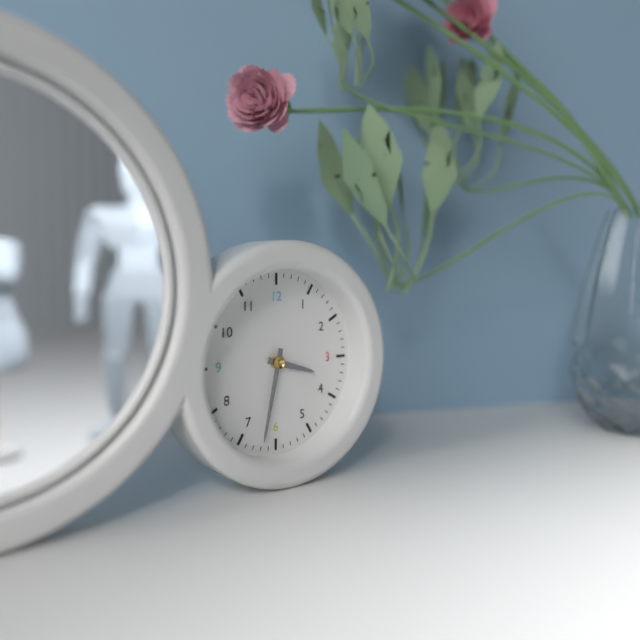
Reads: 3 h 32 min
